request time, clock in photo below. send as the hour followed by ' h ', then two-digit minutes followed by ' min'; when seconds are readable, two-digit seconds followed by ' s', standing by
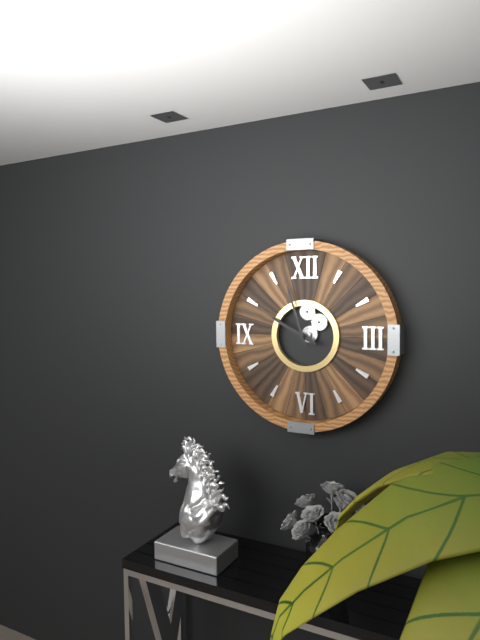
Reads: 9 h 57 min
